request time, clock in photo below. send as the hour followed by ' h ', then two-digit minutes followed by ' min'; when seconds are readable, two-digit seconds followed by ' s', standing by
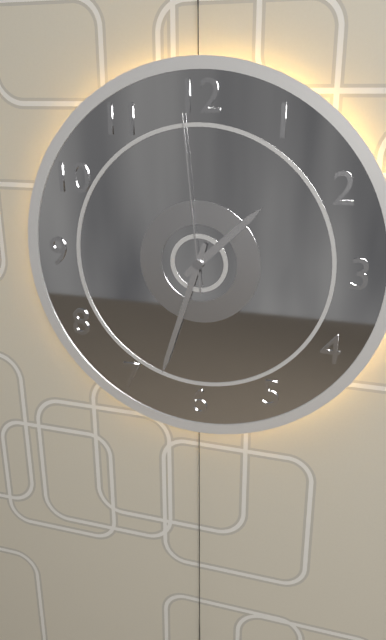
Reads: 1 h 33 min 59 s
